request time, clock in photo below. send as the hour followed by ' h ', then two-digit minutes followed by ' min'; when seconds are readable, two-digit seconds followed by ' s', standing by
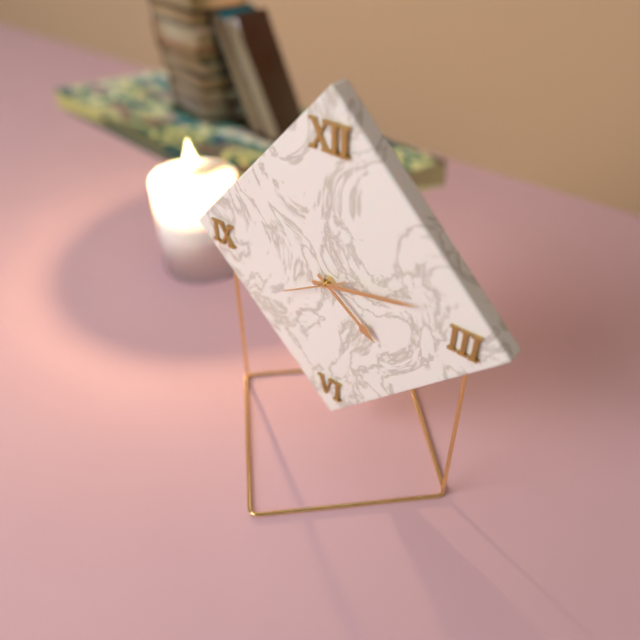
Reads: 4 h 13 min 40 s
